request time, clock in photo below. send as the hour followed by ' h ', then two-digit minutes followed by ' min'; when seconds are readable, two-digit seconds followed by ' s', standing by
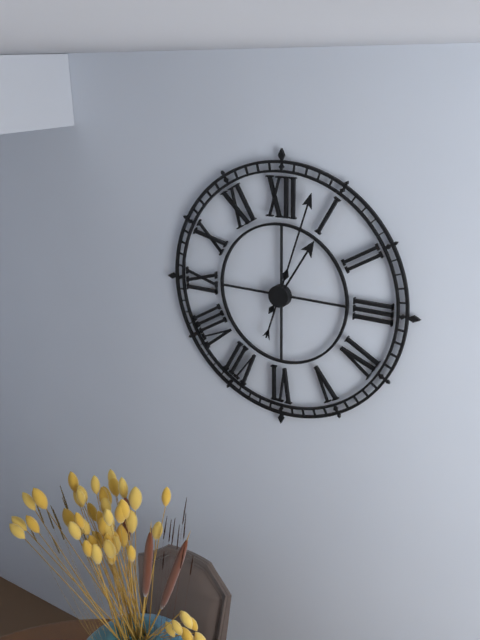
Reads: 1 h 03 min
